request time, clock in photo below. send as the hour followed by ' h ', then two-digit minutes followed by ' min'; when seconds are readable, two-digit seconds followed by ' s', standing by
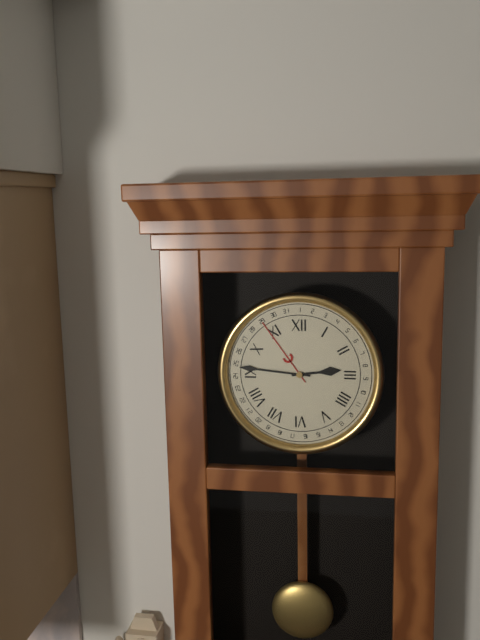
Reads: 2 h 46 min
